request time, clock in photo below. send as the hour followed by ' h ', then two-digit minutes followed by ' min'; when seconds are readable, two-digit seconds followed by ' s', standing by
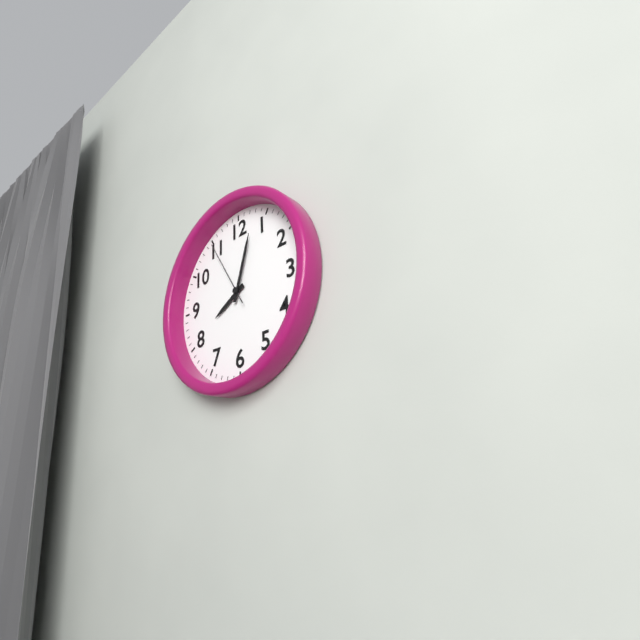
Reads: 8 h 03 min 55 s
